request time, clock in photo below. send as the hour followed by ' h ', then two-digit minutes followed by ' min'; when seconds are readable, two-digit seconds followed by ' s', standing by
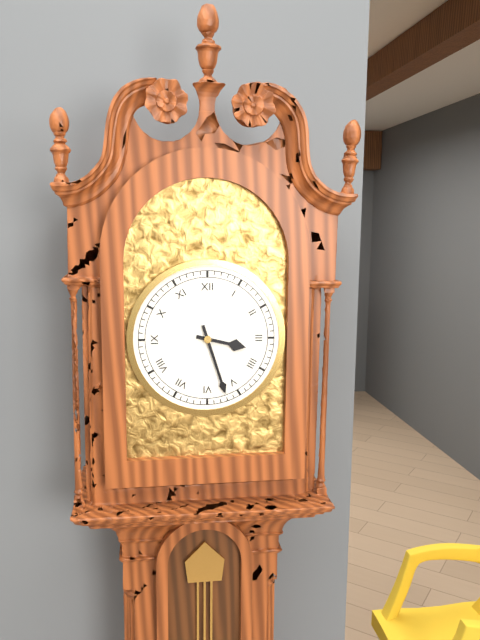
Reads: 3 h 27 min
